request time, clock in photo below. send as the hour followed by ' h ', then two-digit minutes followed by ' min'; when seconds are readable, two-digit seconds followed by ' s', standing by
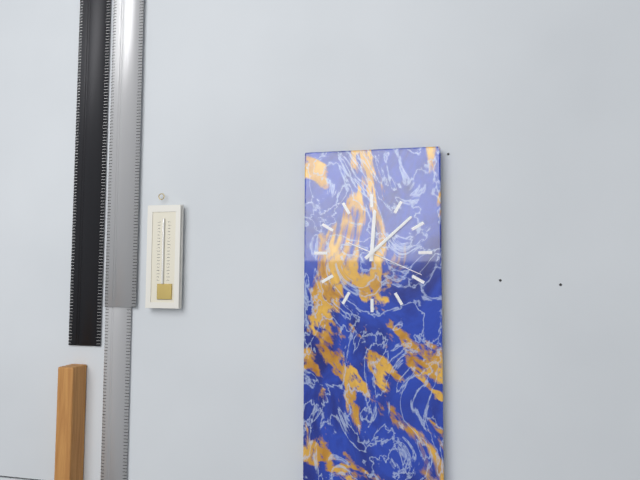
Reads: 12 h 08 min 19 s
